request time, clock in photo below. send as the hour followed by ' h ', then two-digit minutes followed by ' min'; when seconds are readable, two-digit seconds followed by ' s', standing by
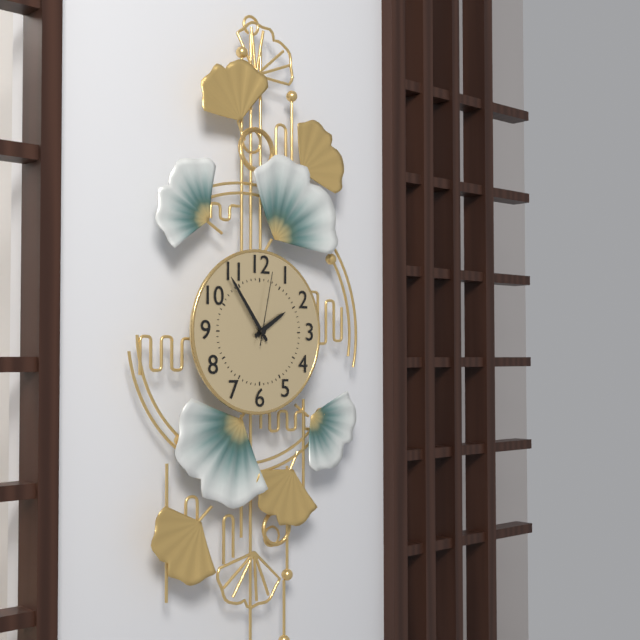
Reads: 1 h 54 min 02 s
